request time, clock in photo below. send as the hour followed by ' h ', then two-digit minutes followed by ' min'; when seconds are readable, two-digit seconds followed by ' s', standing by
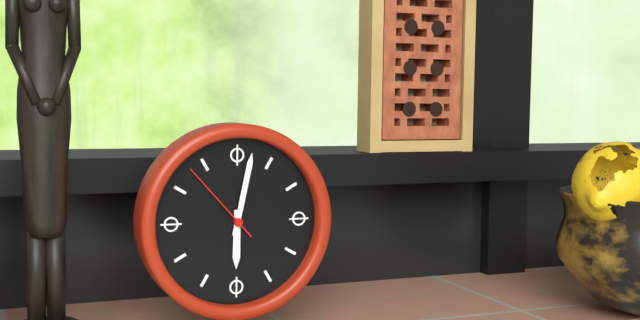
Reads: 6 h 02 min 53 s
